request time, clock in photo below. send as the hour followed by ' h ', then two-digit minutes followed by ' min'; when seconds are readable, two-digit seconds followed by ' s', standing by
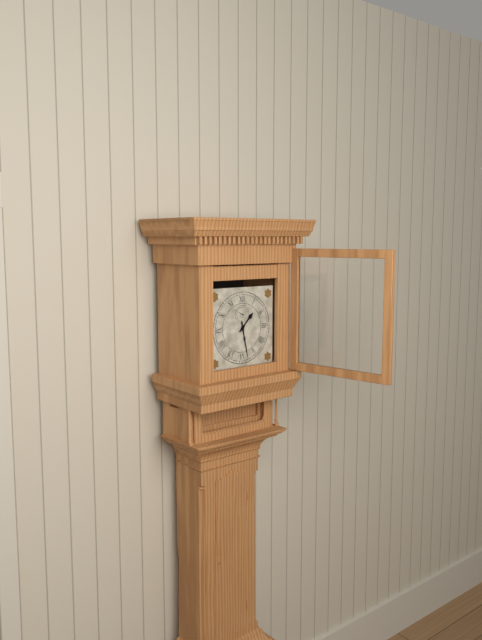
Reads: 1 h 28 min
